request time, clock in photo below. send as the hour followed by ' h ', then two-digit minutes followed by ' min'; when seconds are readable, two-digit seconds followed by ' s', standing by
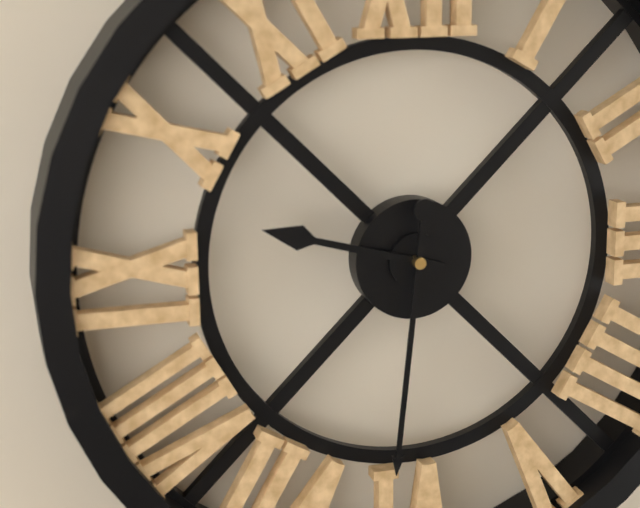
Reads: 9 h 31 min
